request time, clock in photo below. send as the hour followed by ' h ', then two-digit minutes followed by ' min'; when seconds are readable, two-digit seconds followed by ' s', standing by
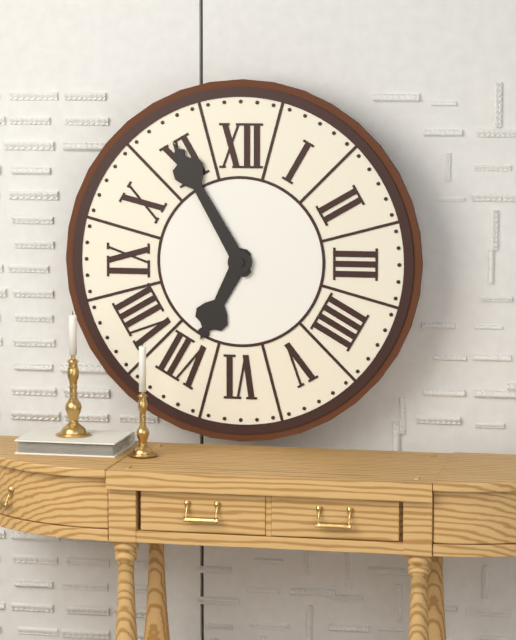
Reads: 6 h 55 min
